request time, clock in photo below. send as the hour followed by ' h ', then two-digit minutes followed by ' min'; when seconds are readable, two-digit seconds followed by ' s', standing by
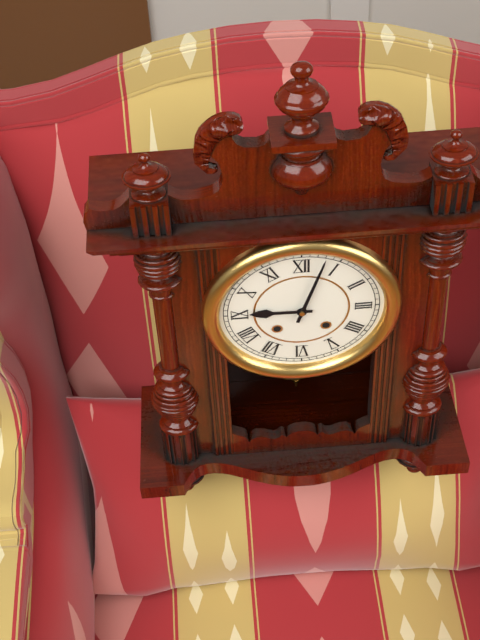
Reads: 9 h 03 min
